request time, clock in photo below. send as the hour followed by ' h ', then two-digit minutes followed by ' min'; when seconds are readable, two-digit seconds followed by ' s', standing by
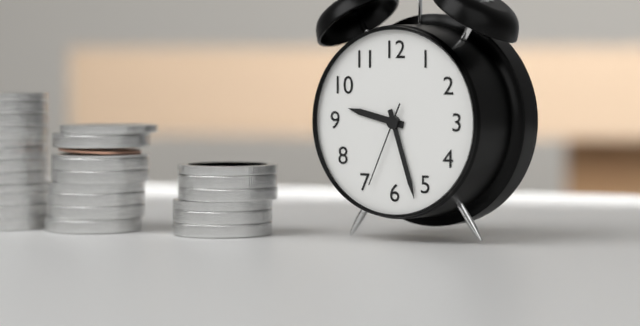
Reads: 9 h 27 min 34 s
